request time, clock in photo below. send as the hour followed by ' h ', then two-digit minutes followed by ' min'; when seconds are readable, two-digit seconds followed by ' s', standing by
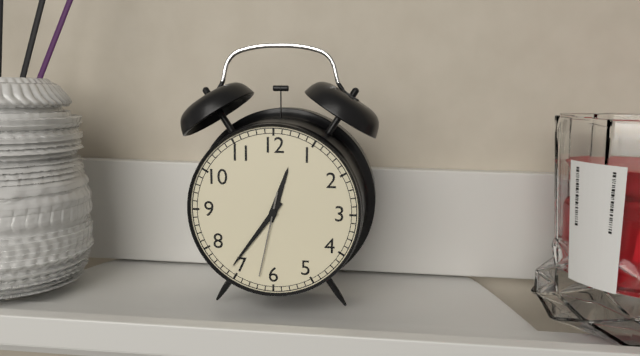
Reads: 12 h 36 min 32 s
